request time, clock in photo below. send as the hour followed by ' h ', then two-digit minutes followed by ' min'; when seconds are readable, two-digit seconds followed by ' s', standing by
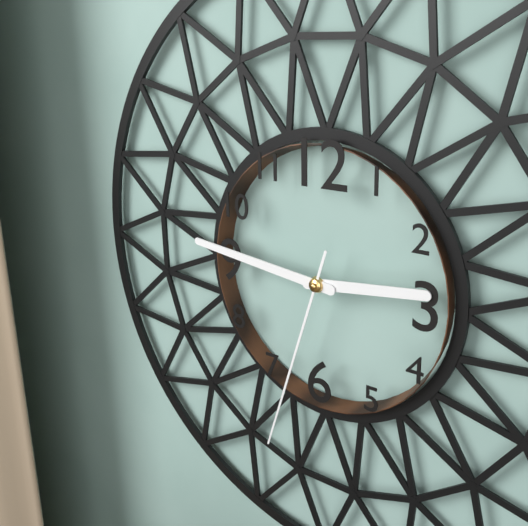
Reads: 2 h 46 min 33 s
